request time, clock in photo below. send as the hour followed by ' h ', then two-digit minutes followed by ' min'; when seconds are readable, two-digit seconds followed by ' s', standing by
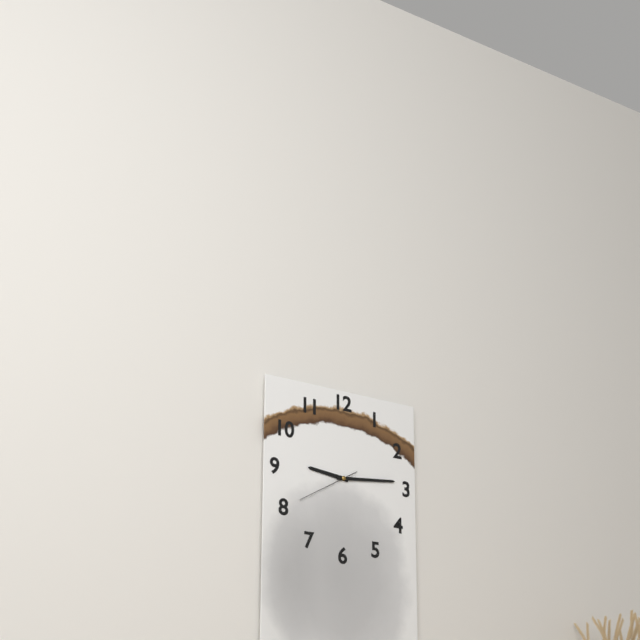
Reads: 9 h 14 min 40 s
